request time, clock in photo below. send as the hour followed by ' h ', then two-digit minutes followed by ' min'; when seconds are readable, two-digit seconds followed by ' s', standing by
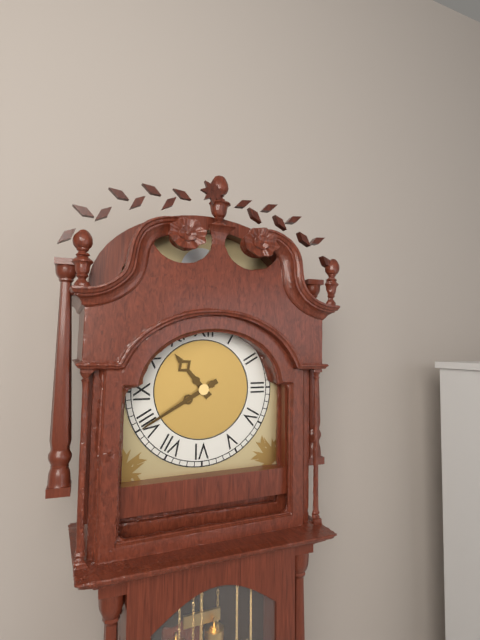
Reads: 10 h 40 min
